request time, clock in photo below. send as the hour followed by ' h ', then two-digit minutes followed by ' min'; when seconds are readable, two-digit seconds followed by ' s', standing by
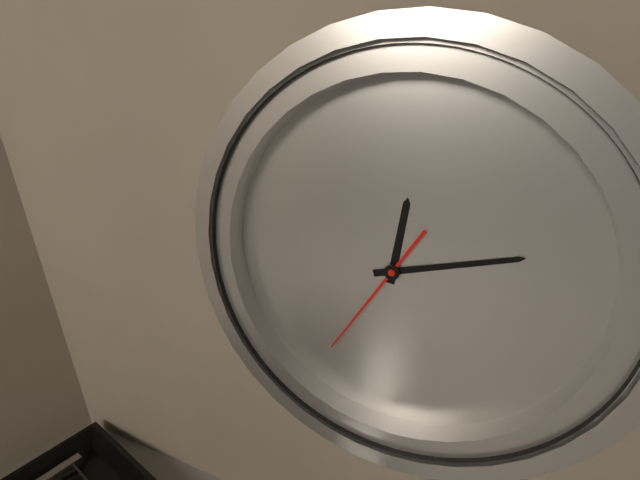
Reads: 12 h 12 min 35 s
